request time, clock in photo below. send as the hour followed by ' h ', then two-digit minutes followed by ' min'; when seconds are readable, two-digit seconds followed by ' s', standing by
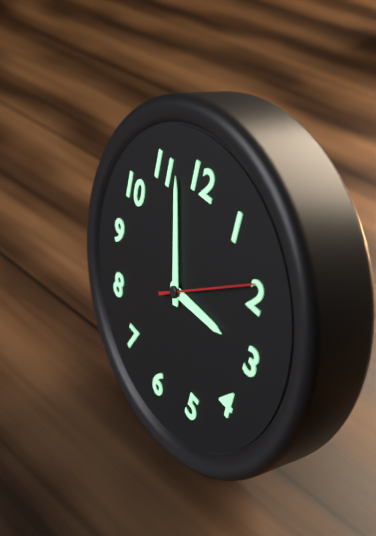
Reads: 2 h 57 min 09 s
